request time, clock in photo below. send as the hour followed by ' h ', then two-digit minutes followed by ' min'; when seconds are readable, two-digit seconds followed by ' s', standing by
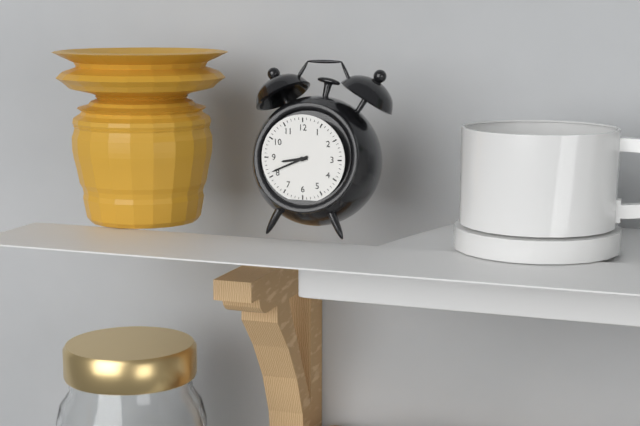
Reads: 8 h 41 min
